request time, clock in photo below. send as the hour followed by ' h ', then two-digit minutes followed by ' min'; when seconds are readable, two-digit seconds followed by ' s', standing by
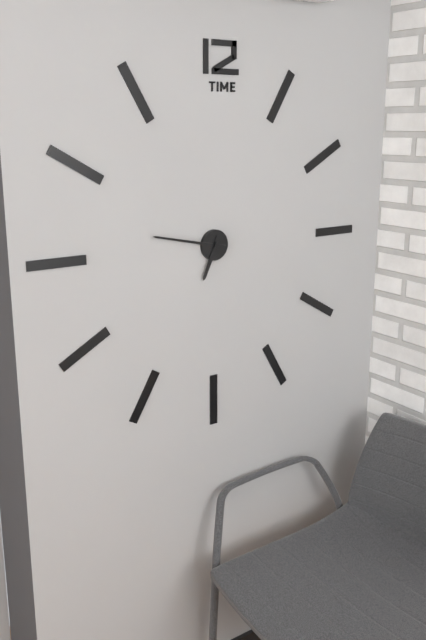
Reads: 6 h 47 min
